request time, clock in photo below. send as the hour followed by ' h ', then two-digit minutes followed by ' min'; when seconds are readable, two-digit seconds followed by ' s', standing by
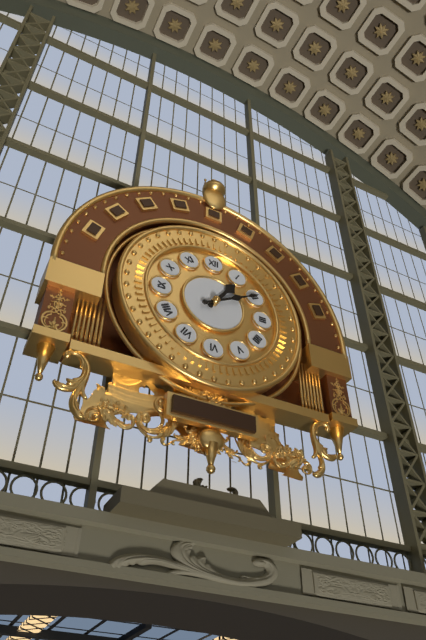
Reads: 1 h 10 min
